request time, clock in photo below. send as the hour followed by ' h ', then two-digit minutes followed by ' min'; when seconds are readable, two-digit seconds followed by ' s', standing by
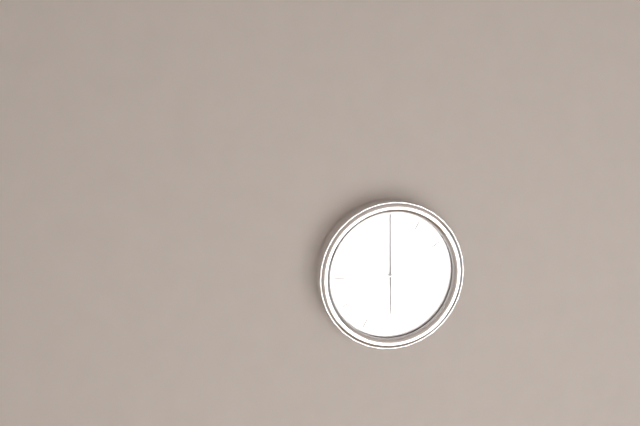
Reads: 6 h 00 min 45 s
